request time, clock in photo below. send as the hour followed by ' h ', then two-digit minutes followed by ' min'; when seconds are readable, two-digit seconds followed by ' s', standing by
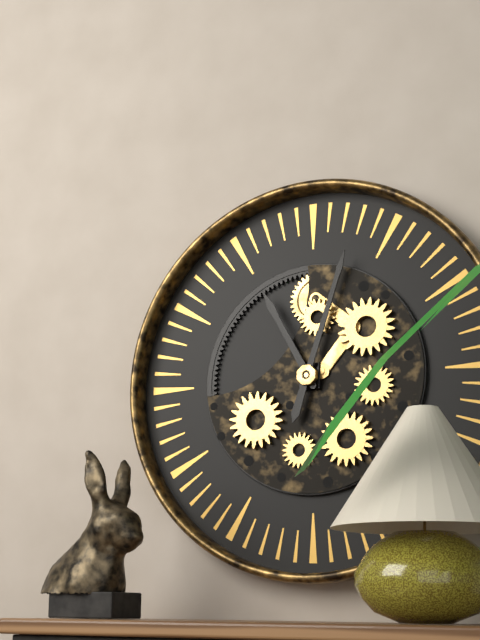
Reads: 11 h 03 min
